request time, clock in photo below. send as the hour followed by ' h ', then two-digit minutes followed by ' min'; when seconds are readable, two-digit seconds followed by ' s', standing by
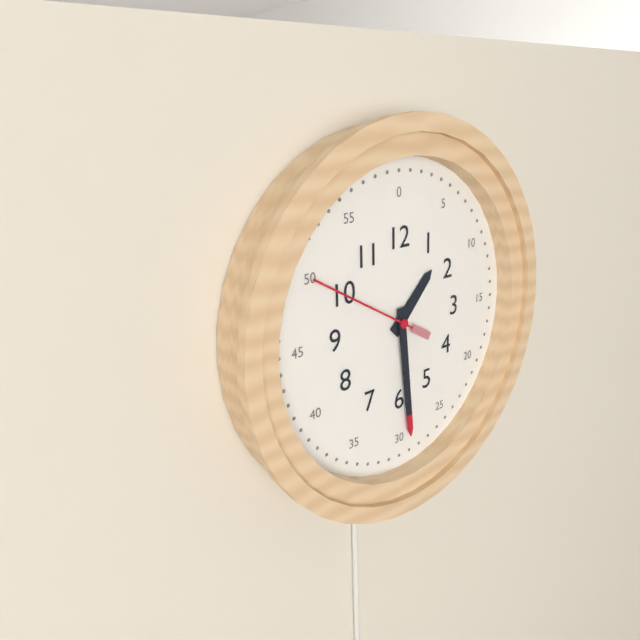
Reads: 1 h 29 min 50 s
